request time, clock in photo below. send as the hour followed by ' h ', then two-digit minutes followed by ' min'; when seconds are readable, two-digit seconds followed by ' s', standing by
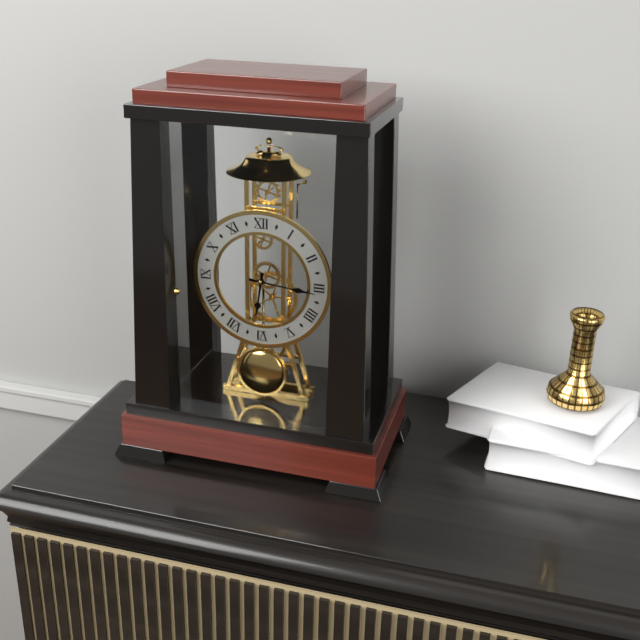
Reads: 6 h 16 min
